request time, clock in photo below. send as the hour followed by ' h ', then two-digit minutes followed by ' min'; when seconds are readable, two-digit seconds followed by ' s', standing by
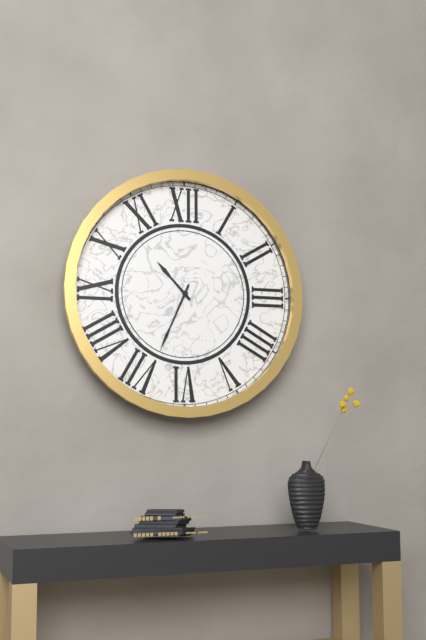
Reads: 10 h 34 min
